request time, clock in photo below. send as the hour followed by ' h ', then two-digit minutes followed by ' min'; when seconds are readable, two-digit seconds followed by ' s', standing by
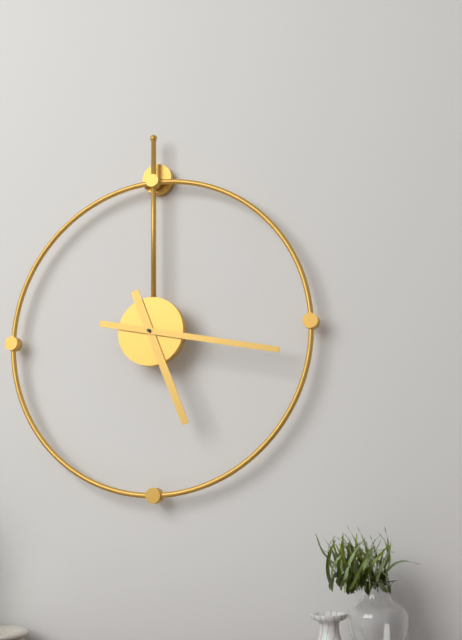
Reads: 5 h 17 min
